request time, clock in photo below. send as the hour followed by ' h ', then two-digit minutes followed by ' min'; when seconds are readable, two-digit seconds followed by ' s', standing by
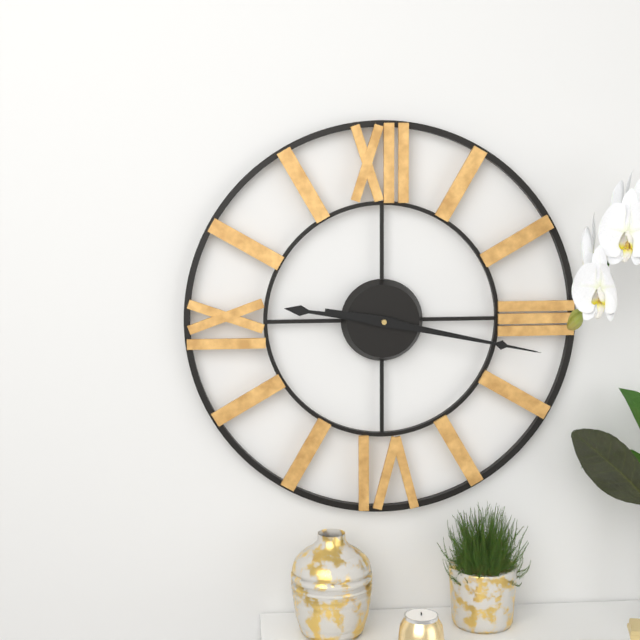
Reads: 9 h 17 min
